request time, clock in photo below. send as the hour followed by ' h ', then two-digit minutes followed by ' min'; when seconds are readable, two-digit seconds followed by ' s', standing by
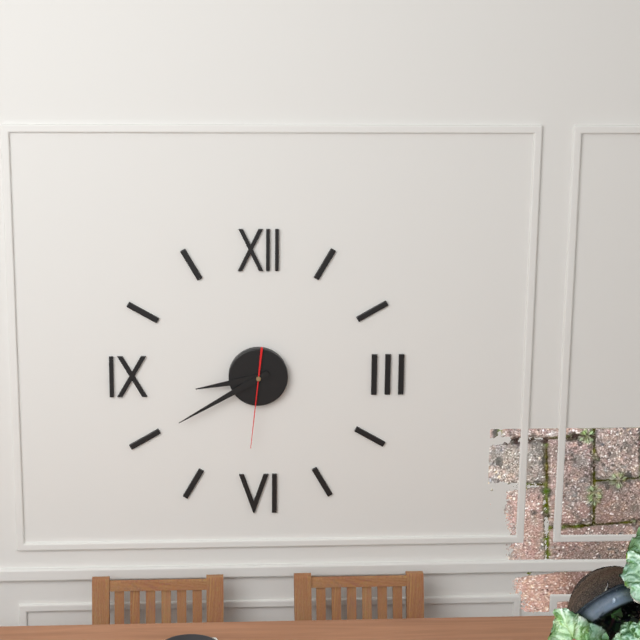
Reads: 8 h 40 min 31 s
